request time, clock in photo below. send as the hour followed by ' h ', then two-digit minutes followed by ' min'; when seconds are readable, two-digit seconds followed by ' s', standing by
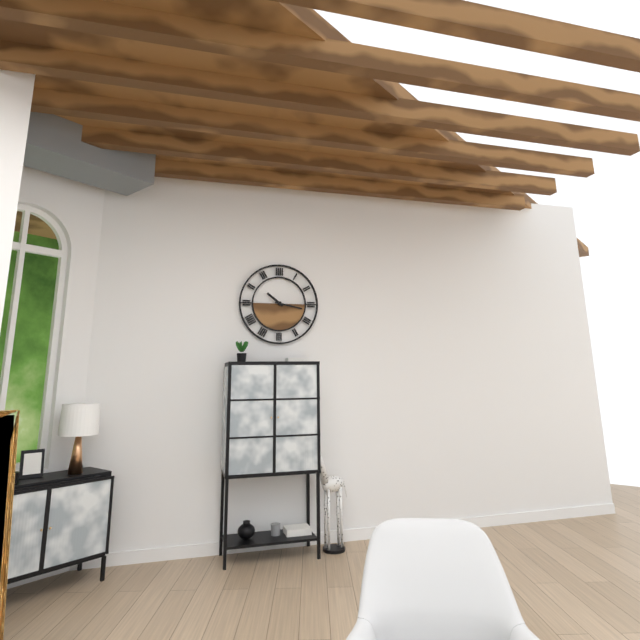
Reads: 10 h 17 min
